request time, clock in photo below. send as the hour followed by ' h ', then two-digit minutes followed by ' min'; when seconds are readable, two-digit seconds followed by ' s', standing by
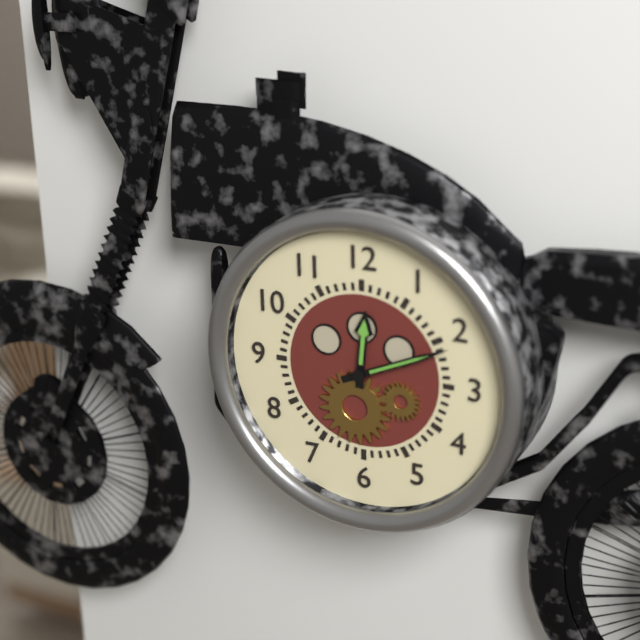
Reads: 12 h 11 min
